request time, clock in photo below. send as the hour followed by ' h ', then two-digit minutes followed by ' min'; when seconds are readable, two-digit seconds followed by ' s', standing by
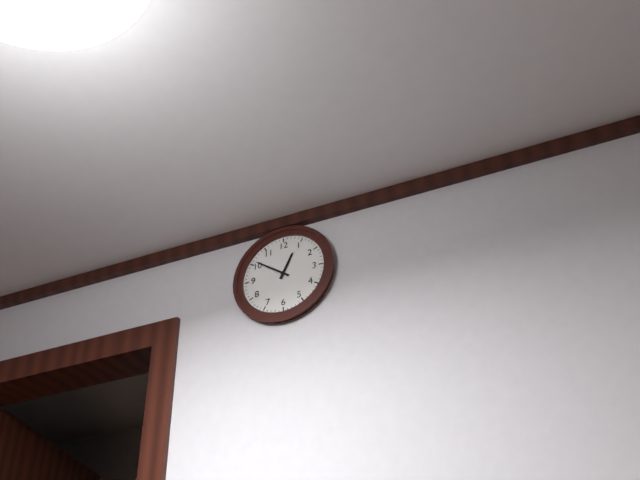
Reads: 12 h 51 min
